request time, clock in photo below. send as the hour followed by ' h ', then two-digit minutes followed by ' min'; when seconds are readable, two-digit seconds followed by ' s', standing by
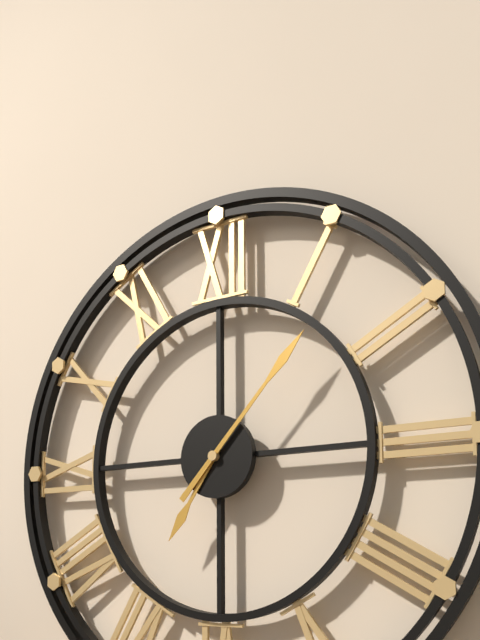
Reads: 7 h 07 min
